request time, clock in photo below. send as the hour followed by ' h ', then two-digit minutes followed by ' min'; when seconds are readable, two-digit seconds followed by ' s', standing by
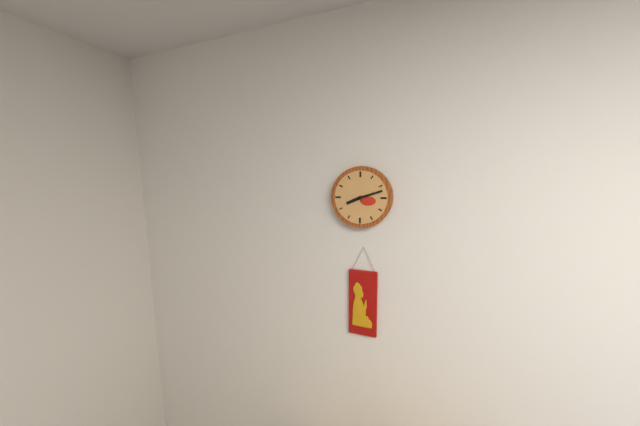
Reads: 8 h 12 min
